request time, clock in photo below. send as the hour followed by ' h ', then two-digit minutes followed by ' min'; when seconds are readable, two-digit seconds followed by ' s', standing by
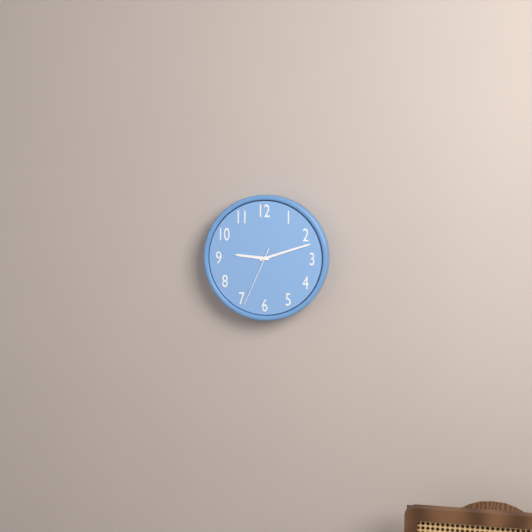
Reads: 9 h 12 min 34 s
